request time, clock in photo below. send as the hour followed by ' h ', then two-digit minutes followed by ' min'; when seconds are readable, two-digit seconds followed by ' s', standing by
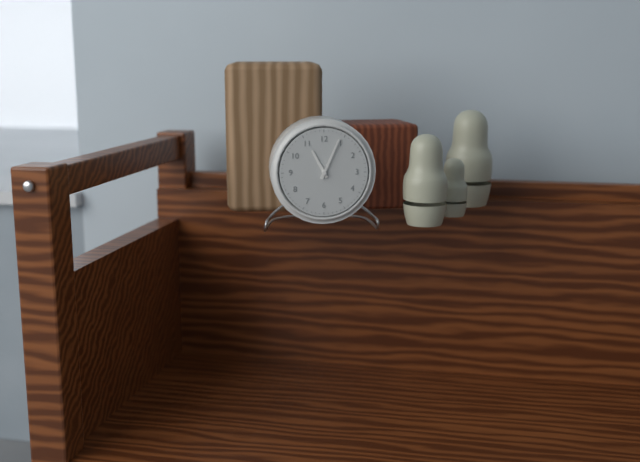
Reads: 11 h 04 min
